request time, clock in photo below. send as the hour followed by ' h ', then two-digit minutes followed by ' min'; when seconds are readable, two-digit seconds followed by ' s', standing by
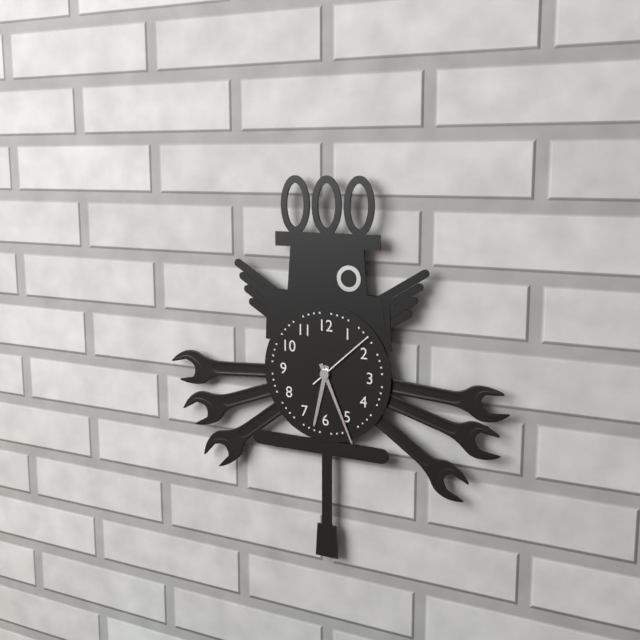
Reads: 6 h 26 min 08 s
